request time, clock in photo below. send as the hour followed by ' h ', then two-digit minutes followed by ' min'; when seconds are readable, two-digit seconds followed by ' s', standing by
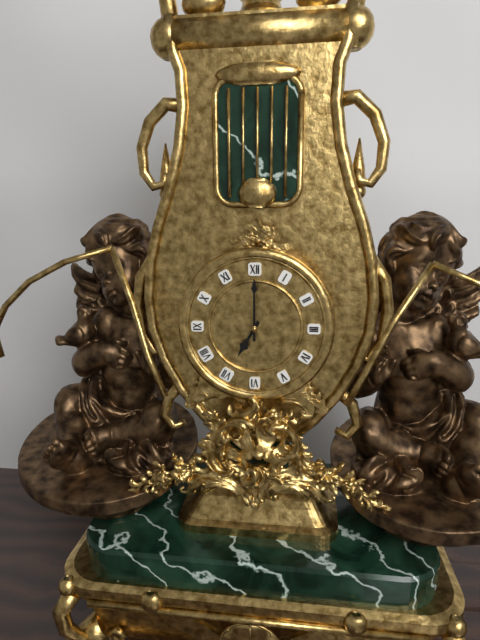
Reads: 7 h 00 min
